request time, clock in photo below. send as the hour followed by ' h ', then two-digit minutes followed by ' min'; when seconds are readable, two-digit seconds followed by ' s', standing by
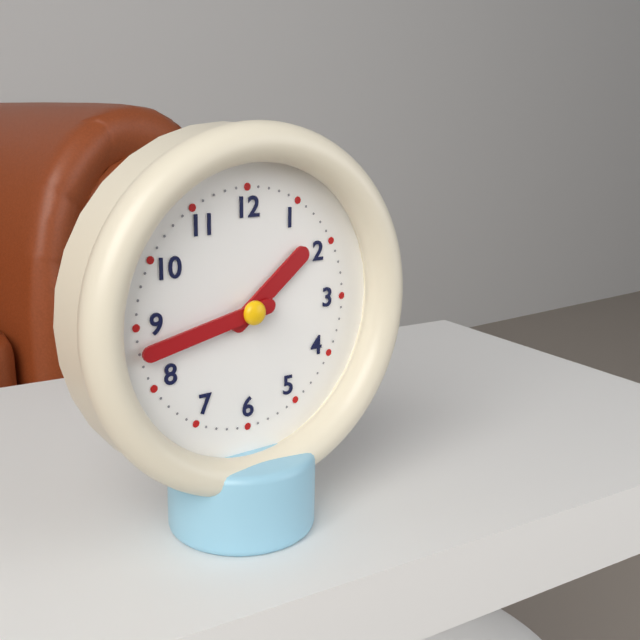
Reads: 1 h 43 min
